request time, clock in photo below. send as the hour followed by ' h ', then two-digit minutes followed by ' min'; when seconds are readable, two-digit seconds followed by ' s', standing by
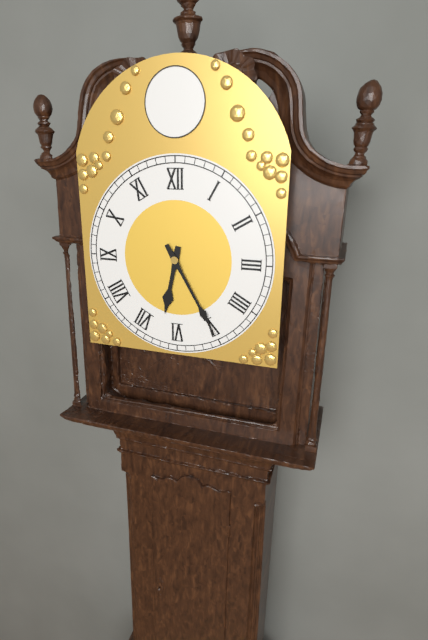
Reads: 6 h 25 min
